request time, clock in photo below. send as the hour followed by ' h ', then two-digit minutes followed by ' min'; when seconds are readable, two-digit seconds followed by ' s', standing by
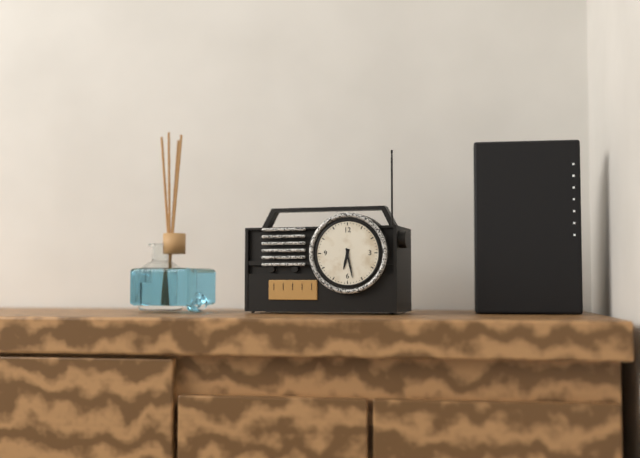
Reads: 6 h 28 min
